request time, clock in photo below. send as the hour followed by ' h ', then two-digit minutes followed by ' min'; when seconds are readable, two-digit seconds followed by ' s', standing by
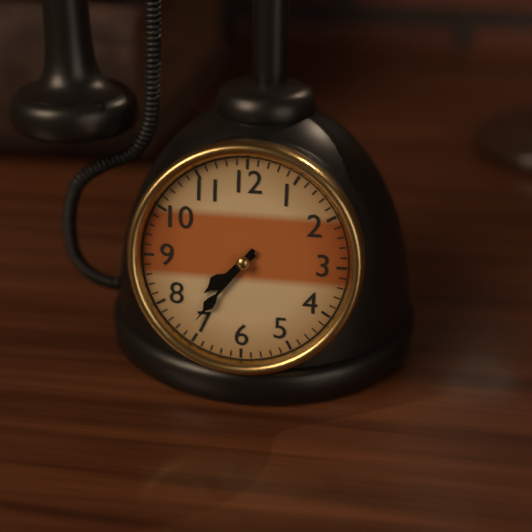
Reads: 7 h 36 min
